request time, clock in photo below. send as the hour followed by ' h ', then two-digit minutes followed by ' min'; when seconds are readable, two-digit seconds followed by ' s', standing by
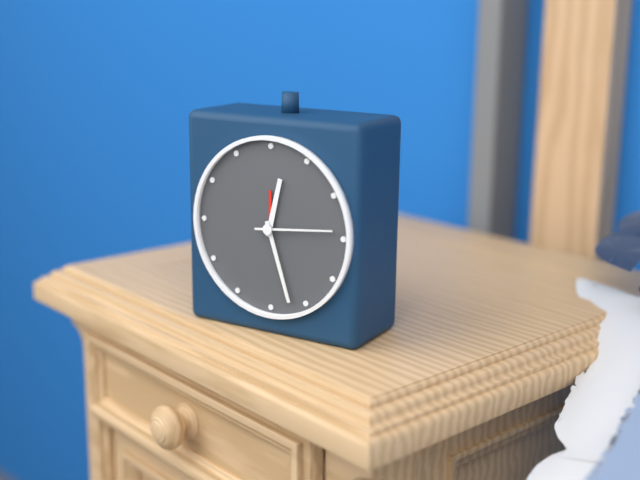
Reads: 12 h 27 min 14 s
